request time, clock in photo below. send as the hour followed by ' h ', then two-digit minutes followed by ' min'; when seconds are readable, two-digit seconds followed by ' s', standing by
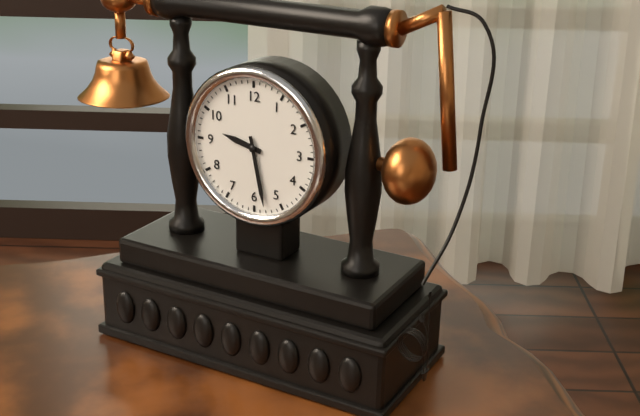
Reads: 9 h 28 min
